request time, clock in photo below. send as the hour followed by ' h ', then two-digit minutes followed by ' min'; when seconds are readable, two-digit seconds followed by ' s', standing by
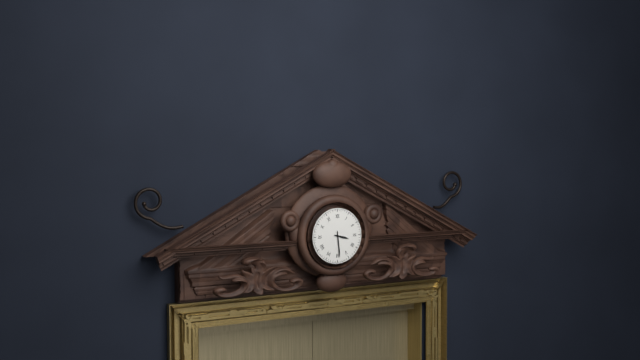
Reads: 3 h 29 min
